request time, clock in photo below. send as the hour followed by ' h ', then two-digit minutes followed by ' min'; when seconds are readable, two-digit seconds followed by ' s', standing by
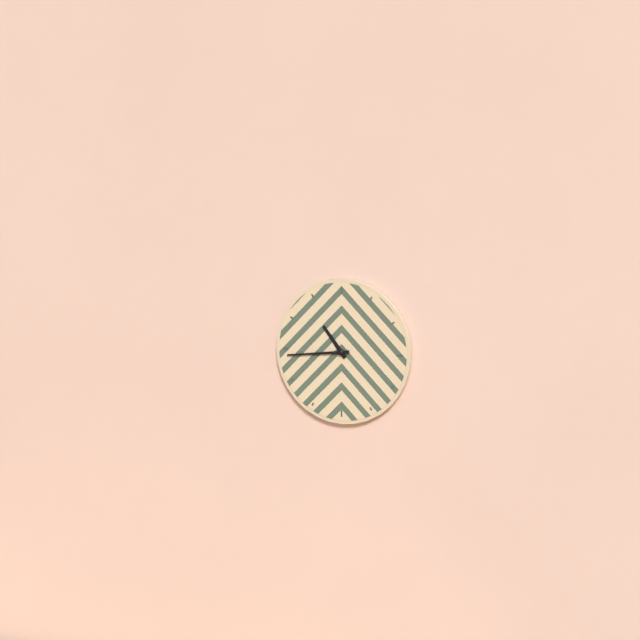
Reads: 10 h 44 min
